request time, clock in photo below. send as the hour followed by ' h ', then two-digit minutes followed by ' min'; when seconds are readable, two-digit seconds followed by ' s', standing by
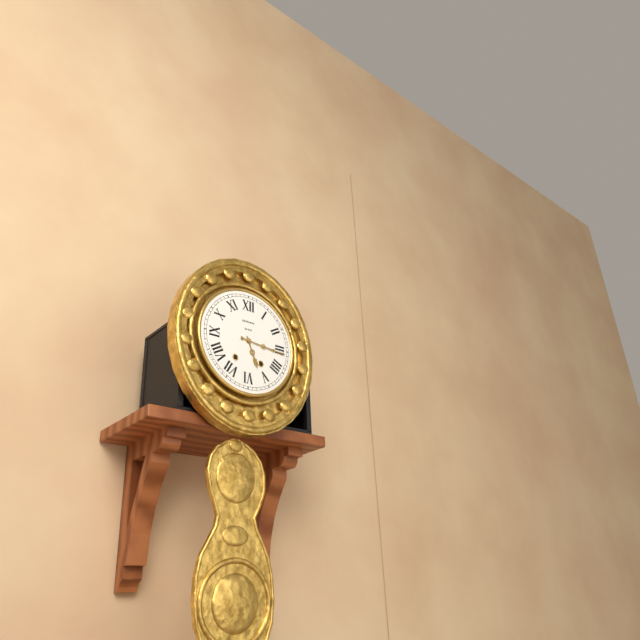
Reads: 5 h 16 min
